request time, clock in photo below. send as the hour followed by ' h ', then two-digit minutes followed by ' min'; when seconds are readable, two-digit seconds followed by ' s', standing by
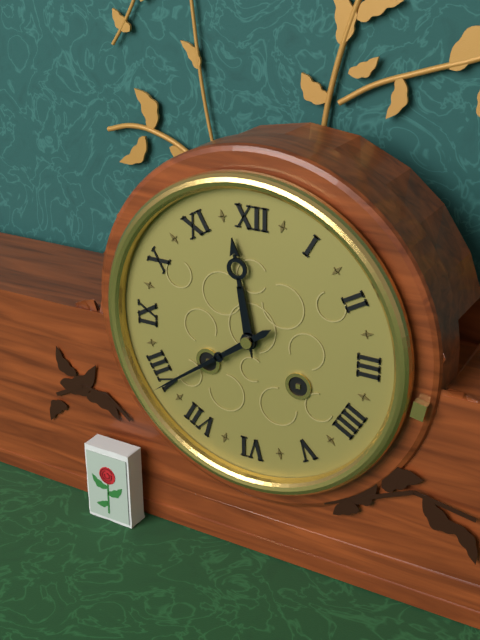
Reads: 11 h 39 min
